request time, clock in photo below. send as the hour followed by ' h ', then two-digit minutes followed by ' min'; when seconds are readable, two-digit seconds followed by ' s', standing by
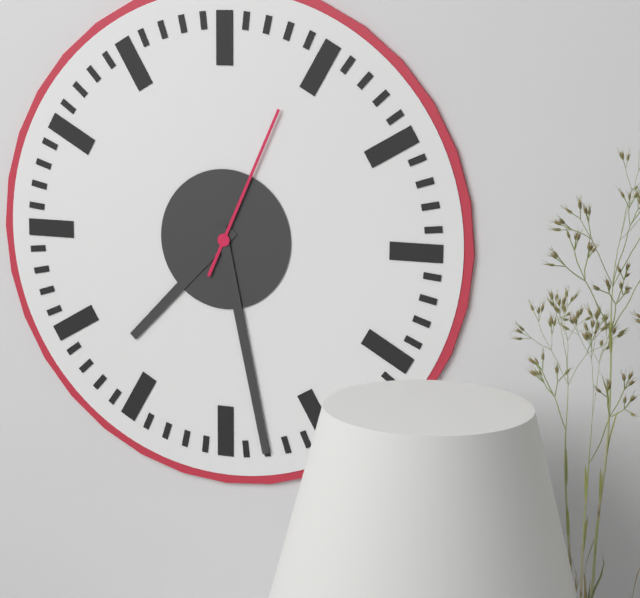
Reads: 7 h 28 min 04 s
